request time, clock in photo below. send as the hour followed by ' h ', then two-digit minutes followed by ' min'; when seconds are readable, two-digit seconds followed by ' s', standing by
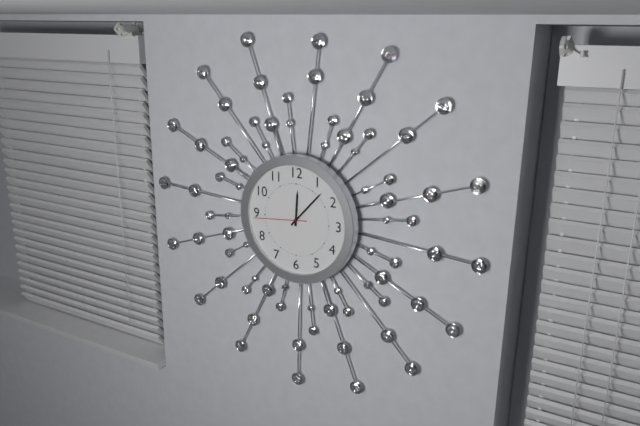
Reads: 12 h 07 min 44 s
